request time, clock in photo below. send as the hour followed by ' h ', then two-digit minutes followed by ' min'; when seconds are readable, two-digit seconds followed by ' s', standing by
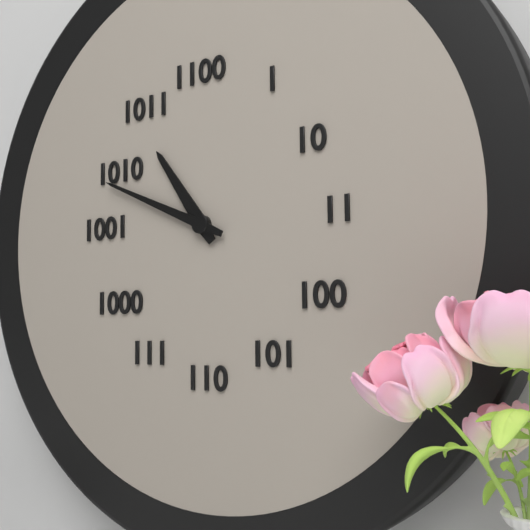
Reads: 10 h 49 min
